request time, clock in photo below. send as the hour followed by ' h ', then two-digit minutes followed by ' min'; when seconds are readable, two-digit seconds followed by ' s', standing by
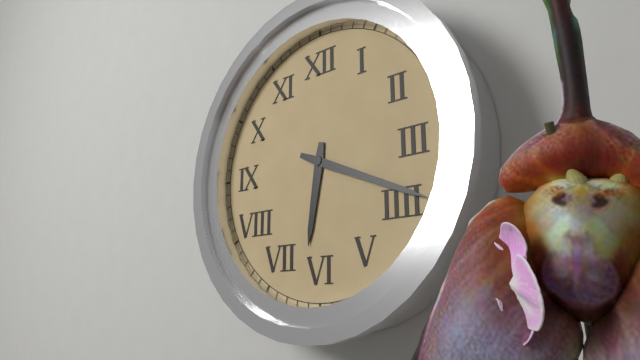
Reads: 6 h 19 min
